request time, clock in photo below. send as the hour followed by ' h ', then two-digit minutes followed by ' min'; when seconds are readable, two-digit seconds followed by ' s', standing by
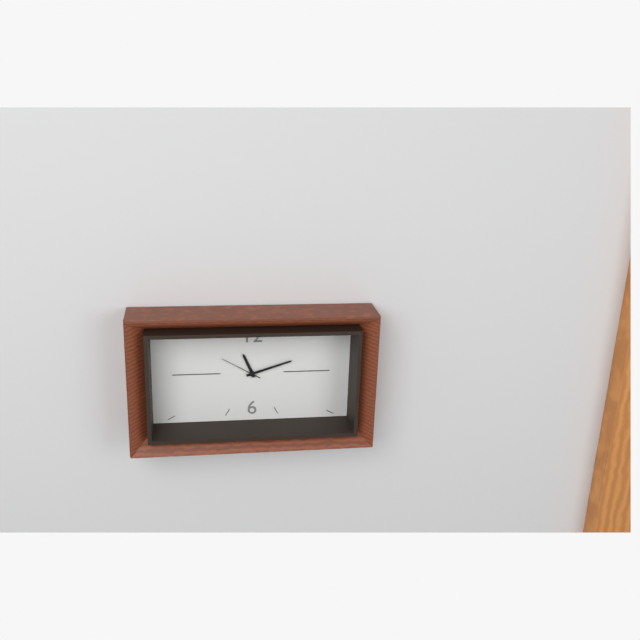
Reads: 11 h 12 min
